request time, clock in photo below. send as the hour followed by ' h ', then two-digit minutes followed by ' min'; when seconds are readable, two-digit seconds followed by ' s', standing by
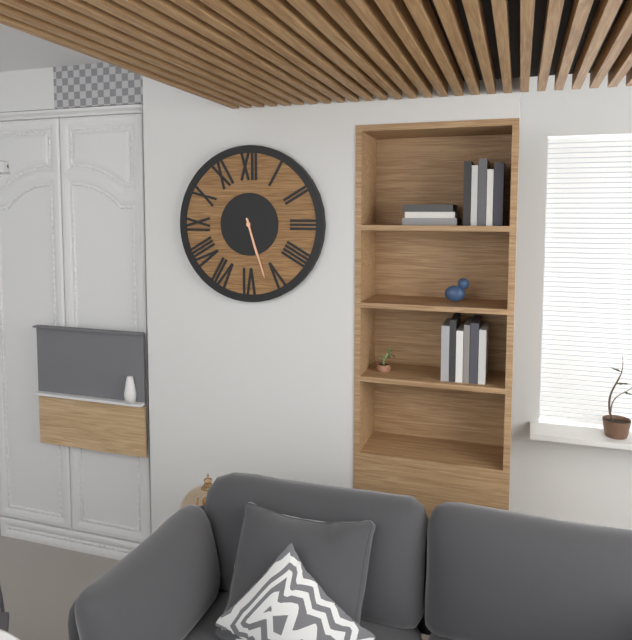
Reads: 5 h 27 min
